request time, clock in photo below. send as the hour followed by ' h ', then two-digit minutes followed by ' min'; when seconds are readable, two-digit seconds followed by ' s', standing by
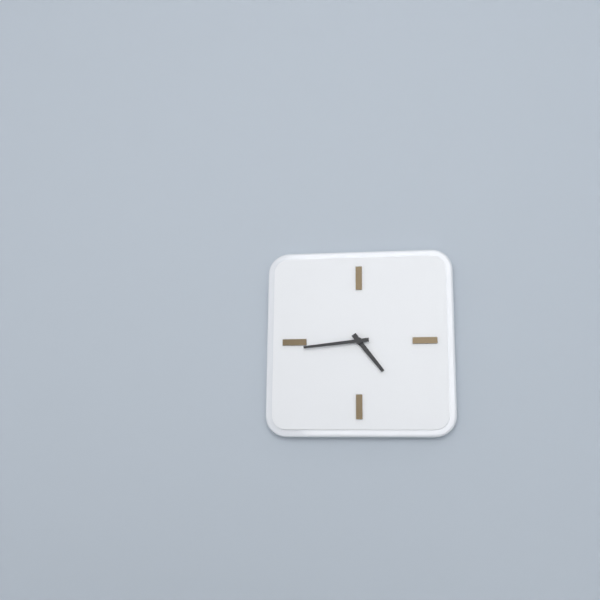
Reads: 4 h 44 min
